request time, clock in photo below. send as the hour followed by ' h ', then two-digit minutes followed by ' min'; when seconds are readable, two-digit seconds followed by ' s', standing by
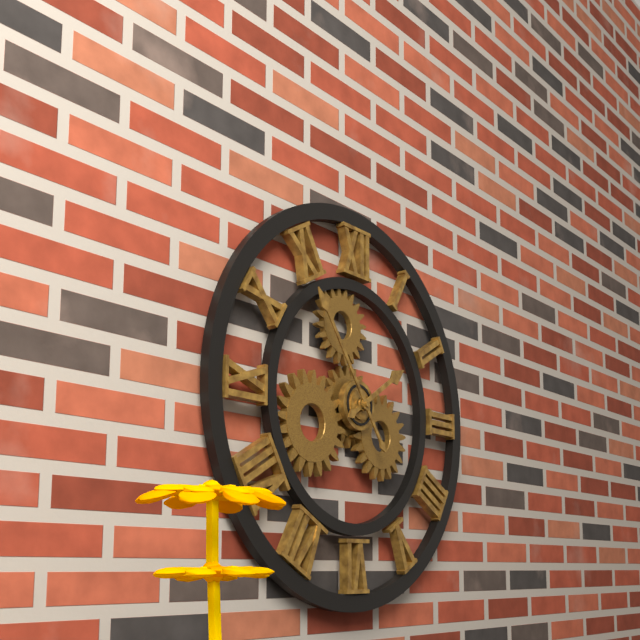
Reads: 1 h 54 min
